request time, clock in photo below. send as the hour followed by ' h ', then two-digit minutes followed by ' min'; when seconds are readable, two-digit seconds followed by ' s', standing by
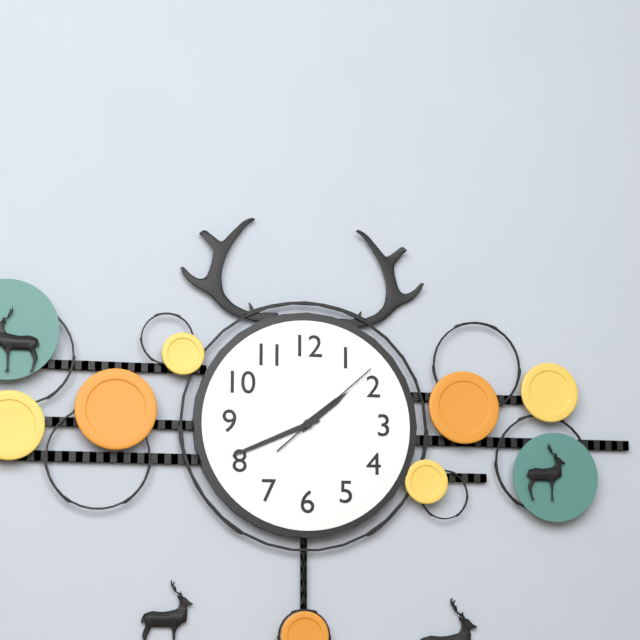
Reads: 1 h 41 min 08 s
